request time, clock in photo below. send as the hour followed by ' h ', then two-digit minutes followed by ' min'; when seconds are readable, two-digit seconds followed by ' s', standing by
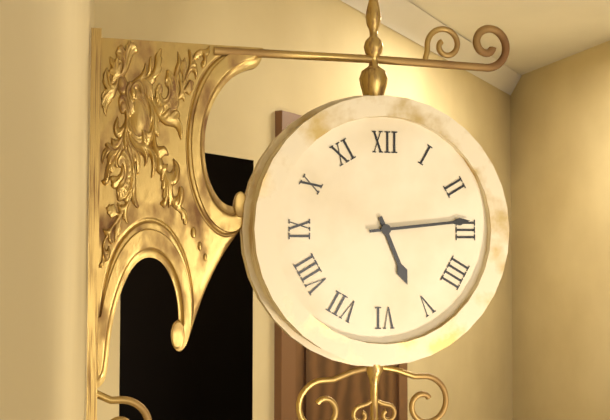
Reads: 5 h 14 min
